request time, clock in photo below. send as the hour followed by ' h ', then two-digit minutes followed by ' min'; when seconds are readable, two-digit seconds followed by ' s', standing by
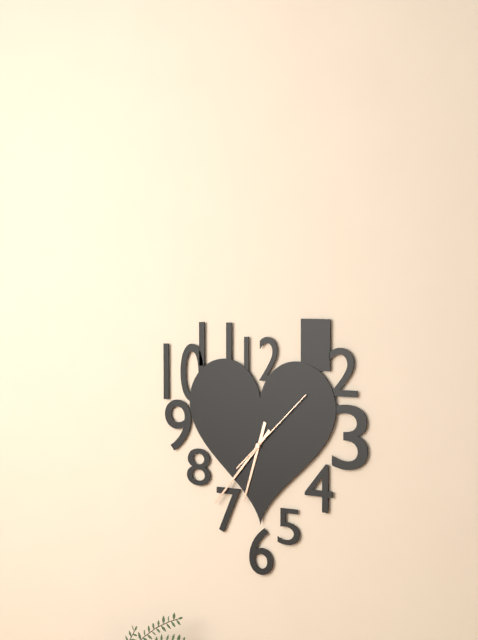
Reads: 6 h 37 min 08 s
